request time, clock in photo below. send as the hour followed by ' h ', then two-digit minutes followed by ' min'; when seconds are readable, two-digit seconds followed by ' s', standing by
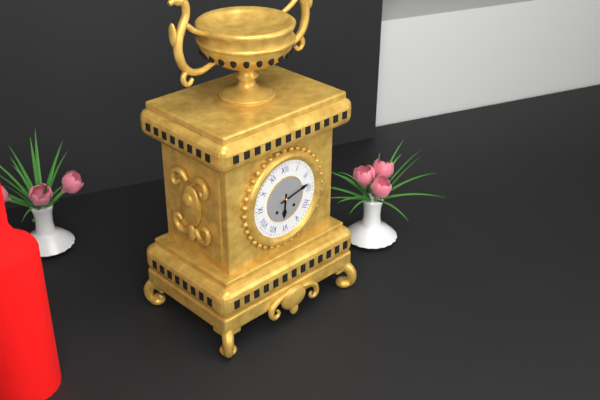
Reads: 6 h 13 min
